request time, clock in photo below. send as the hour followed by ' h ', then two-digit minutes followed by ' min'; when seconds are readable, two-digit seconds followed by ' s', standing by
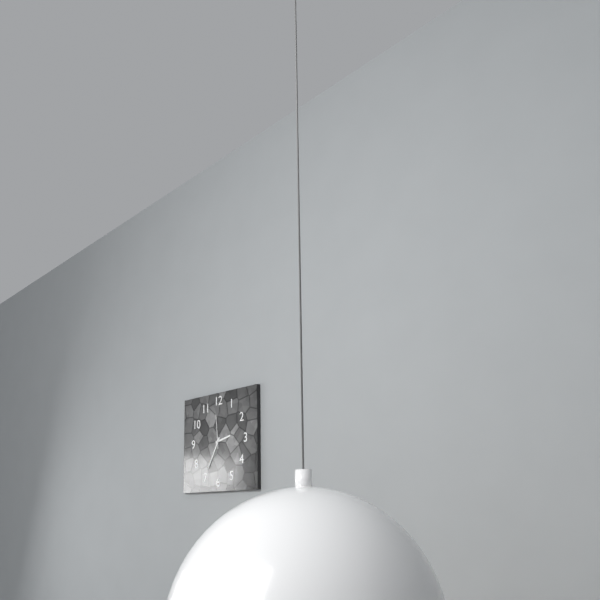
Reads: 2 h 35 min
